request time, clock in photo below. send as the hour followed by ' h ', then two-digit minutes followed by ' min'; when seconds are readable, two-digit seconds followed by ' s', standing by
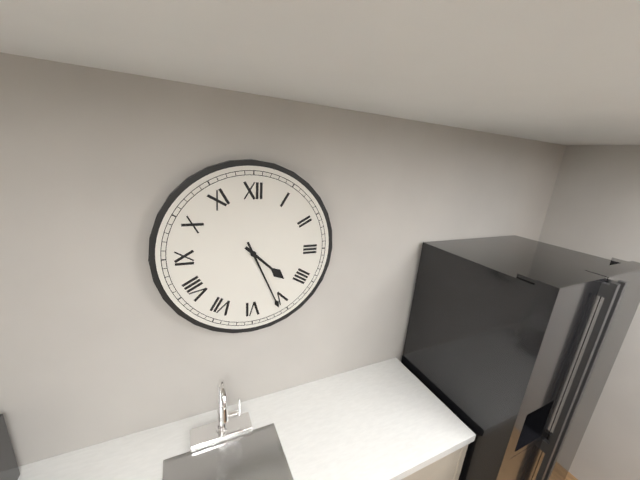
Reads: 4 h 26 min
